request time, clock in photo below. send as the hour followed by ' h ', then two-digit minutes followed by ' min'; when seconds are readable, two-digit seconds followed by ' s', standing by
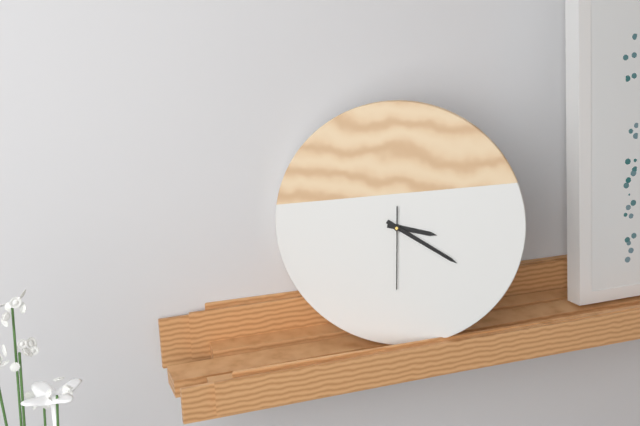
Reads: 3 h 20 min 30 s
